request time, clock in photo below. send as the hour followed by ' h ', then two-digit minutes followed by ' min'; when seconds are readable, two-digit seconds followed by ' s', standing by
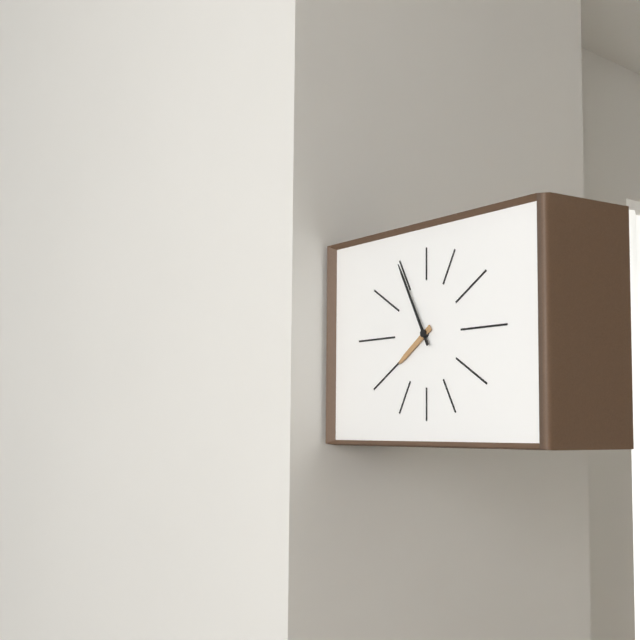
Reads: 7 h 55 min
